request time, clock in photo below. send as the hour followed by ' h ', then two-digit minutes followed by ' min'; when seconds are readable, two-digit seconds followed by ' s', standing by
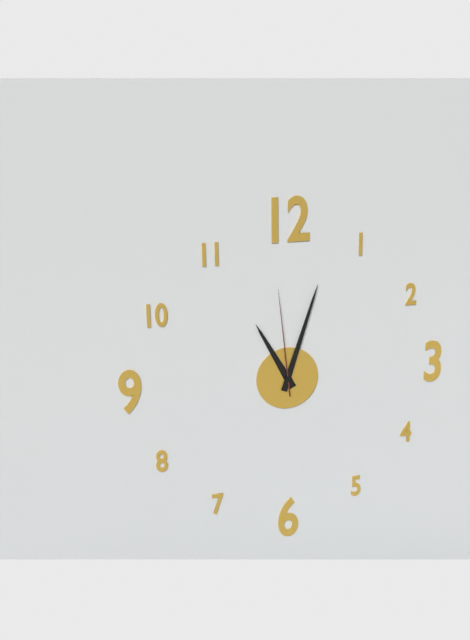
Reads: 11 h 03 min 59 s
